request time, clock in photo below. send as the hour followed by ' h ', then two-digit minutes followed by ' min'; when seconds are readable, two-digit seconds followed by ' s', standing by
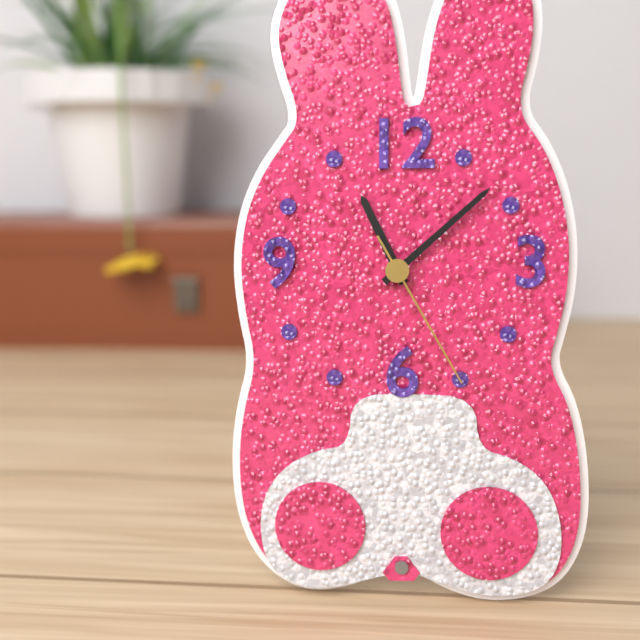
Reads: 11 h 08 min 25 s
